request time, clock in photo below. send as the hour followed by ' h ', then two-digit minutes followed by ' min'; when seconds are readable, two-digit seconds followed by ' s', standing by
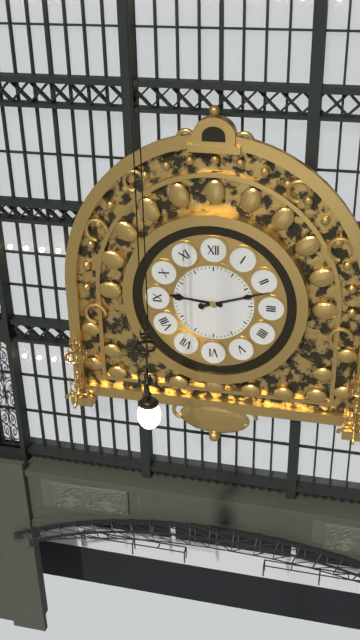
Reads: 9 h 12 min
